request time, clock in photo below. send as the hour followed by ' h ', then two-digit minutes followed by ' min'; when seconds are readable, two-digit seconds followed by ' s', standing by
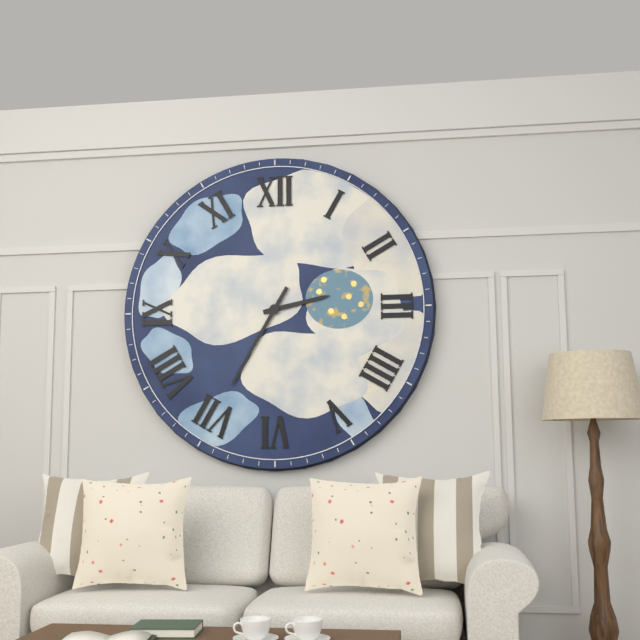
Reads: 2 h 35 min
